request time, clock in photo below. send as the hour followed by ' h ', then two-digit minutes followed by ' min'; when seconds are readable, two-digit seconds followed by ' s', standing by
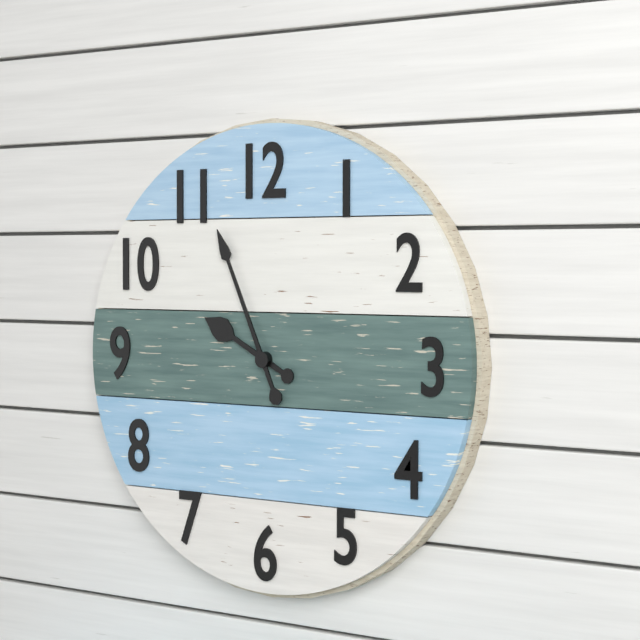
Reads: 9 h 56 min
